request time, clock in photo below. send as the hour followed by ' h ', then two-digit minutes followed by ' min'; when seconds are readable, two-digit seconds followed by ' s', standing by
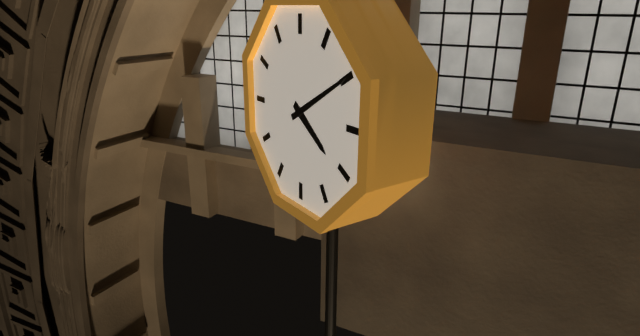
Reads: 4 h 10 min
